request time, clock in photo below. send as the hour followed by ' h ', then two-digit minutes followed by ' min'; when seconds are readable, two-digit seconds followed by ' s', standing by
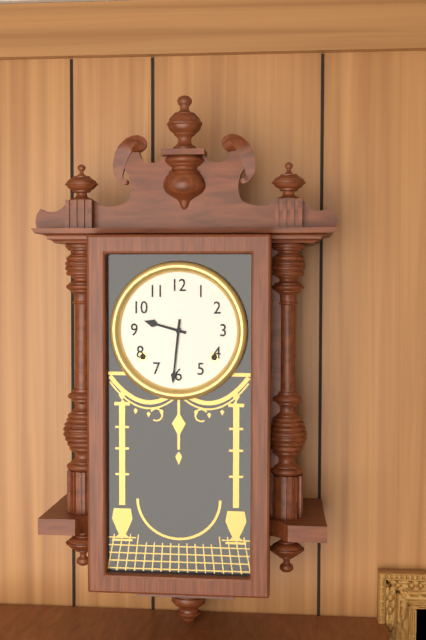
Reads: 9 h 31 min
